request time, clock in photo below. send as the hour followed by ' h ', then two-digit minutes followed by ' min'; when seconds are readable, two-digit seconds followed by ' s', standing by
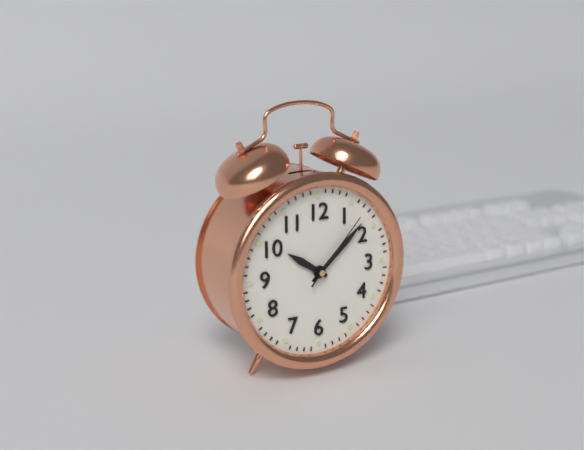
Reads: 10 h 08 min 07 s
